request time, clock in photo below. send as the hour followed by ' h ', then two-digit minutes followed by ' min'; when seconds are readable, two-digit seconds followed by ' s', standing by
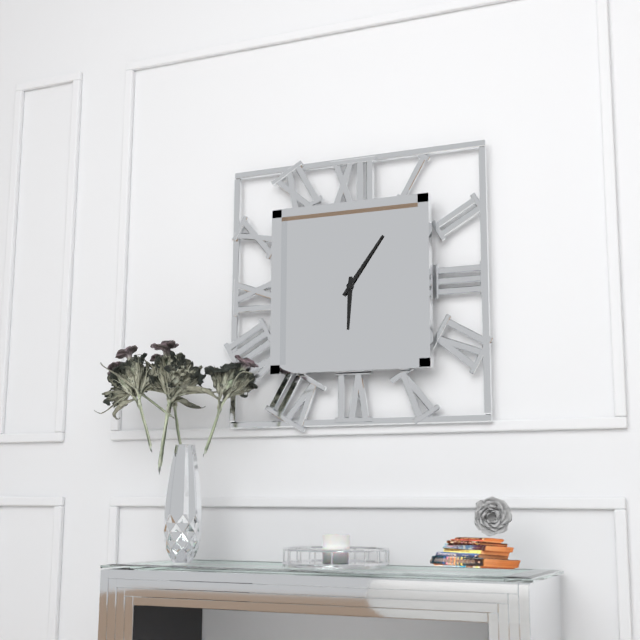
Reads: 6 h 06 min
